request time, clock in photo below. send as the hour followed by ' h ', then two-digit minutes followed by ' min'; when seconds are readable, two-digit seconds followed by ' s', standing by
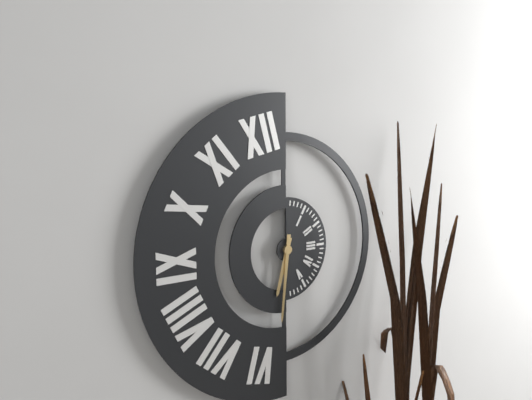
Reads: 6 h 31 min
